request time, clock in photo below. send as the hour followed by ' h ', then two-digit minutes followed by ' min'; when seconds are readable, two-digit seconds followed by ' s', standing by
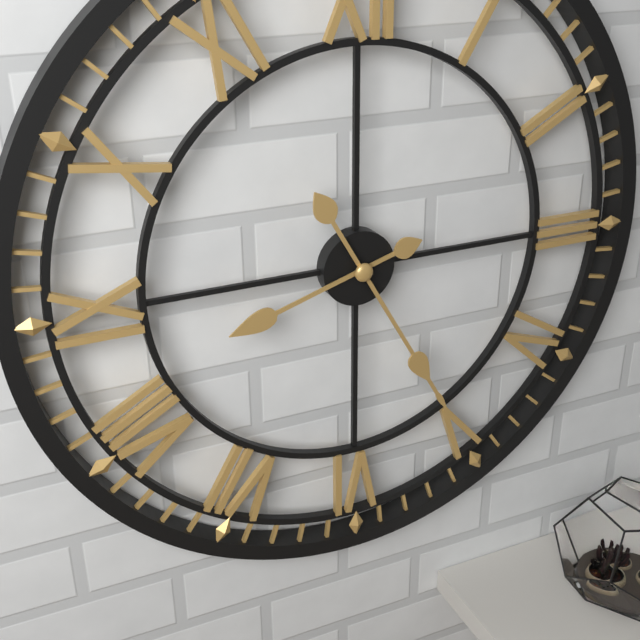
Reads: 8 h 25 min
